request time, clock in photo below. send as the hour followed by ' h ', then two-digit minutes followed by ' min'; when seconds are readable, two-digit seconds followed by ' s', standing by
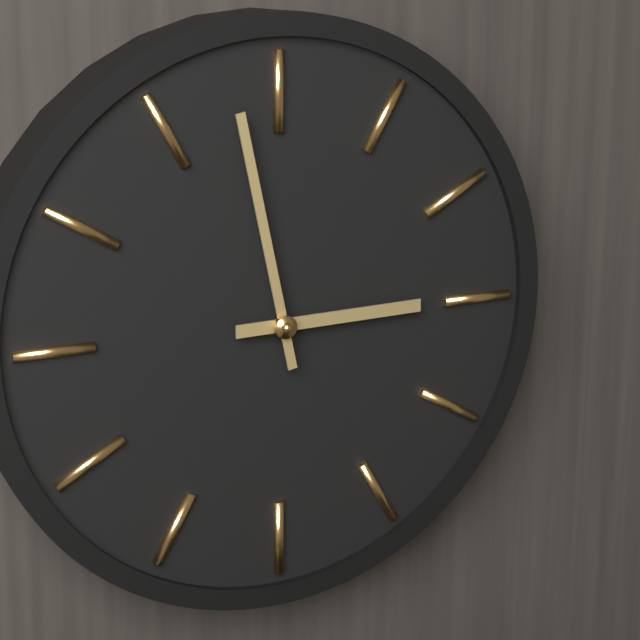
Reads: 2 h 58 min
